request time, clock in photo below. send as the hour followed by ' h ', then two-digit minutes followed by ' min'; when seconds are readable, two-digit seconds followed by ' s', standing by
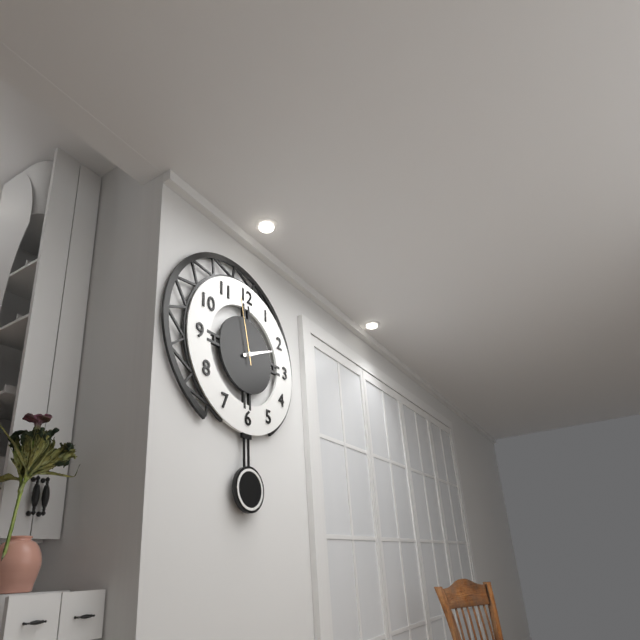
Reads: 2 h 11 min 58 s
